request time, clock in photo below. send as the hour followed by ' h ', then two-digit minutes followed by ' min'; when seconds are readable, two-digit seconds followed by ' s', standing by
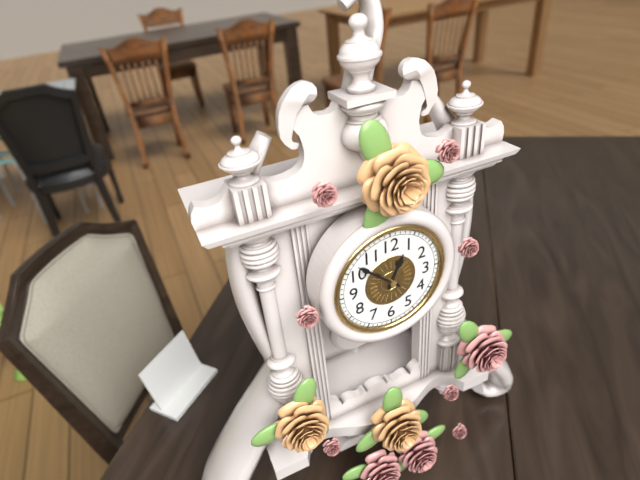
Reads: 12 h 52 min
